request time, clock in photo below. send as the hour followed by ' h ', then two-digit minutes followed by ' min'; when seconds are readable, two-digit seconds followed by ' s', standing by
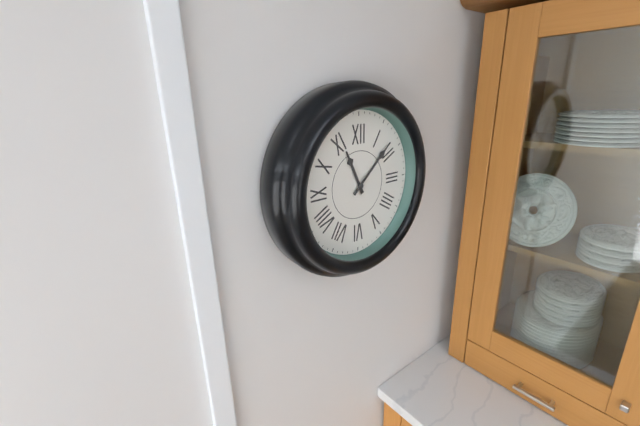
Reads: 11 h 08 min
